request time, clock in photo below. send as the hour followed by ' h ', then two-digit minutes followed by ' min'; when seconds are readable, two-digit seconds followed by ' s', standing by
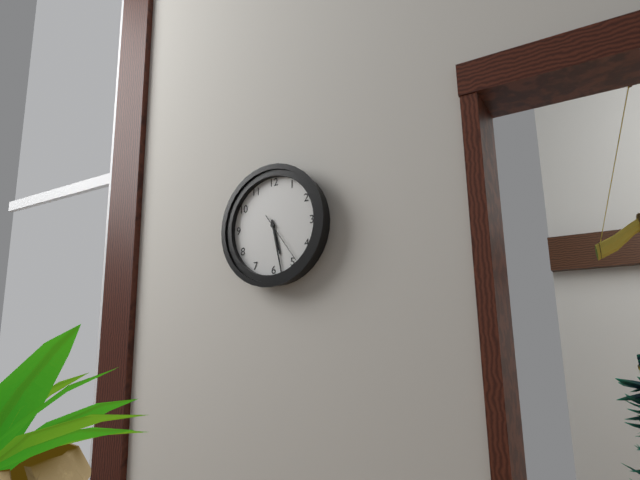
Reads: 5 h 28 min
